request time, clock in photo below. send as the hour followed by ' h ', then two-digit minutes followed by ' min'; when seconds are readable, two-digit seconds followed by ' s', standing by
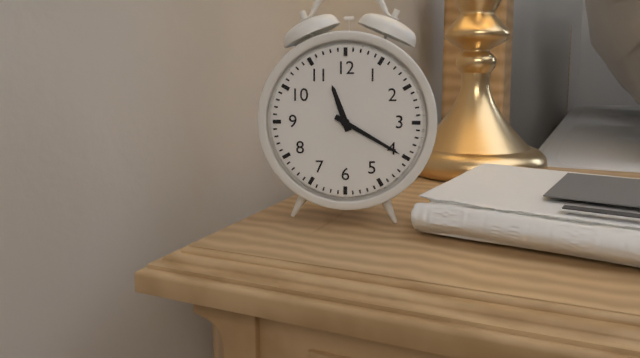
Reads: 11 h 20 min
